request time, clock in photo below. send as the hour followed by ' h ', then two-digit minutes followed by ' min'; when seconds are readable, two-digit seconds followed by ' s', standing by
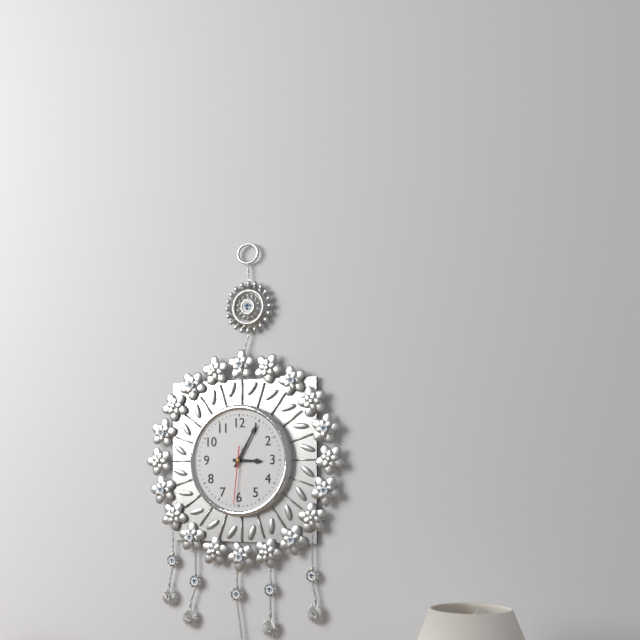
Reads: 3 h 05 min 31 s
